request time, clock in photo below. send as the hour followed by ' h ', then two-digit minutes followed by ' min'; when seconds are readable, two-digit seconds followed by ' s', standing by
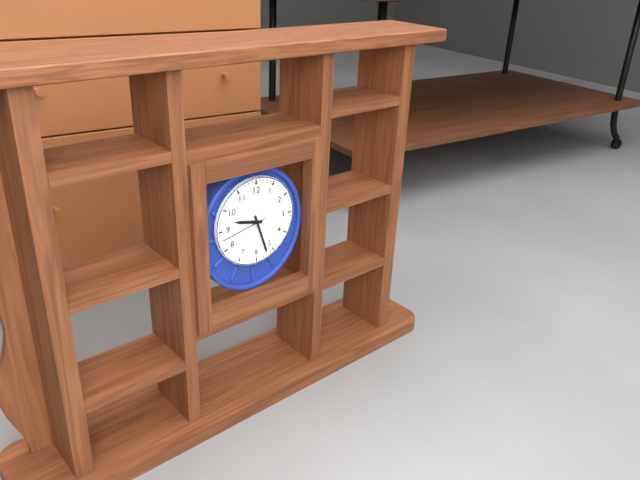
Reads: 9 h 27 min 43 s
